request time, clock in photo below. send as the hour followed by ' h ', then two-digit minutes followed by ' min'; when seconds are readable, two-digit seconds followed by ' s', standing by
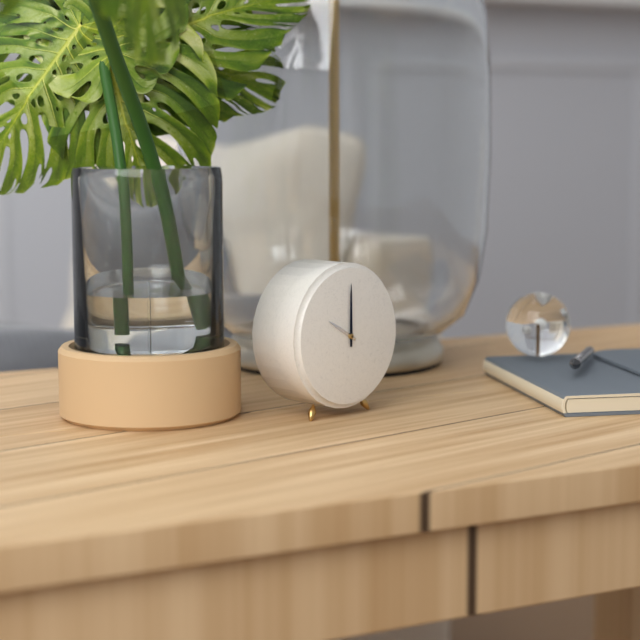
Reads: 10 h 00 min
